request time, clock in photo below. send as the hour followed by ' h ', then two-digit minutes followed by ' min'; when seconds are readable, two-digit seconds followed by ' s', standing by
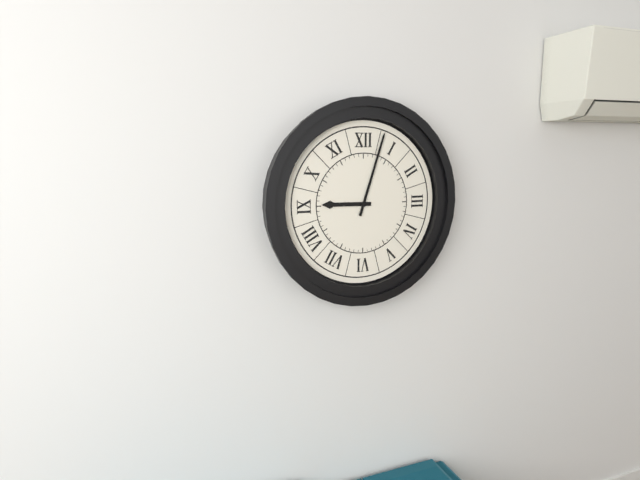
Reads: 9 h 03 min
